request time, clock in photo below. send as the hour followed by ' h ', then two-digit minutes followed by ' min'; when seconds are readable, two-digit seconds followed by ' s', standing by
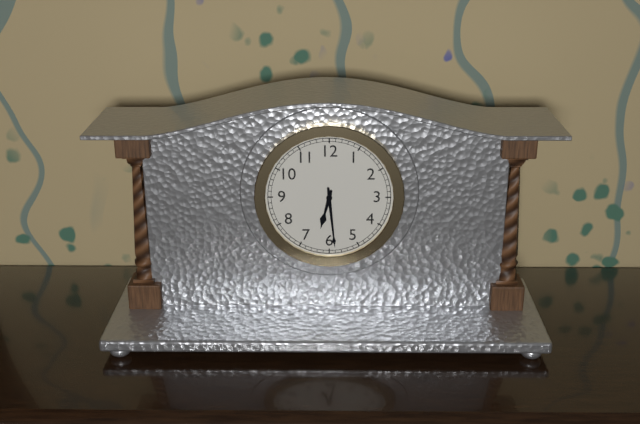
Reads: 6 h 29 min
